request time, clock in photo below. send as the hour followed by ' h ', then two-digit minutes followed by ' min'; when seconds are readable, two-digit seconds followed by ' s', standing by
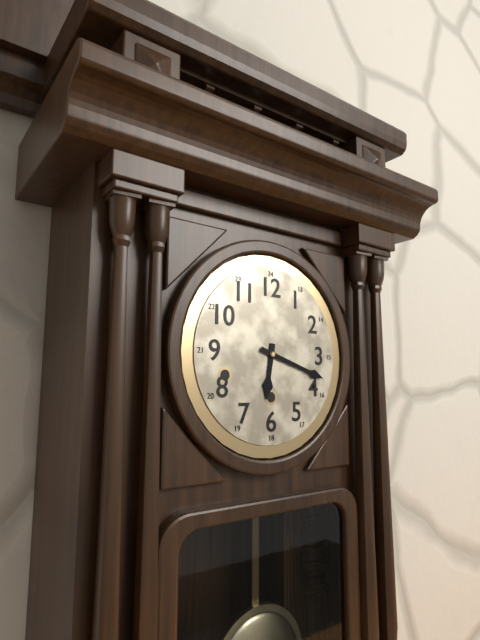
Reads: 6 h 18 min
